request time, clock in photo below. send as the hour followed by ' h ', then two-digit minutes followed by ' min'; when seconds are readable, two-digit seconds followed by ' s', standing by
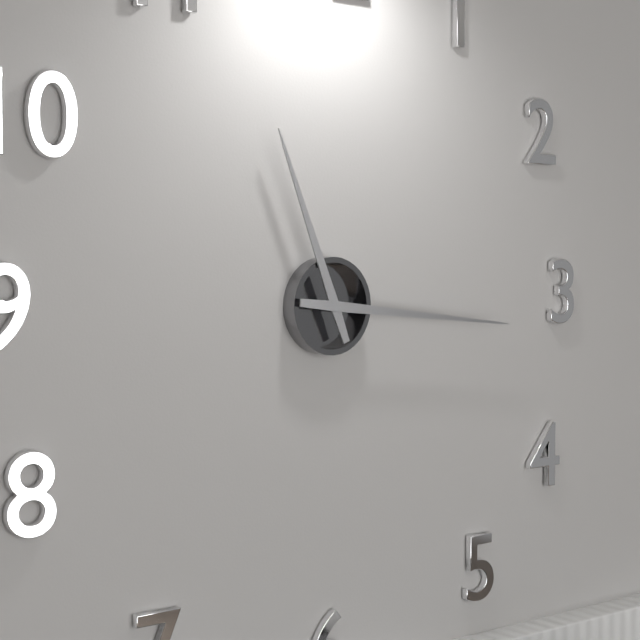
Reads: 11 h 16 min
